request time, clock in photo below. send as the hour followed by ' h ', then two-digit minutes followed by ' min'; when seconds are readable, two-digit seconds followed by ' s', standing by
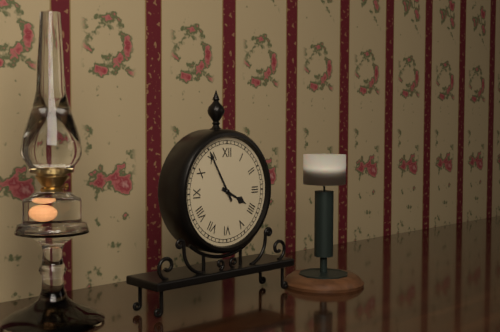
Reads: 3 h 55 min
